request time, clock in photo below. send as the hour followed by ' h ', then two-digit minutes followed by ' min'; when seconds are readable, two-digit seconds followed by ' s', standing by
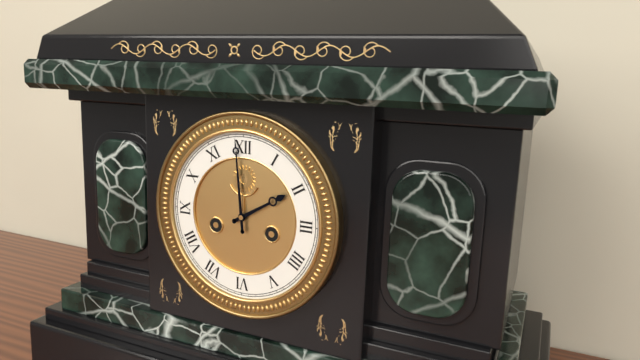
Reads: 1 h 59 min
